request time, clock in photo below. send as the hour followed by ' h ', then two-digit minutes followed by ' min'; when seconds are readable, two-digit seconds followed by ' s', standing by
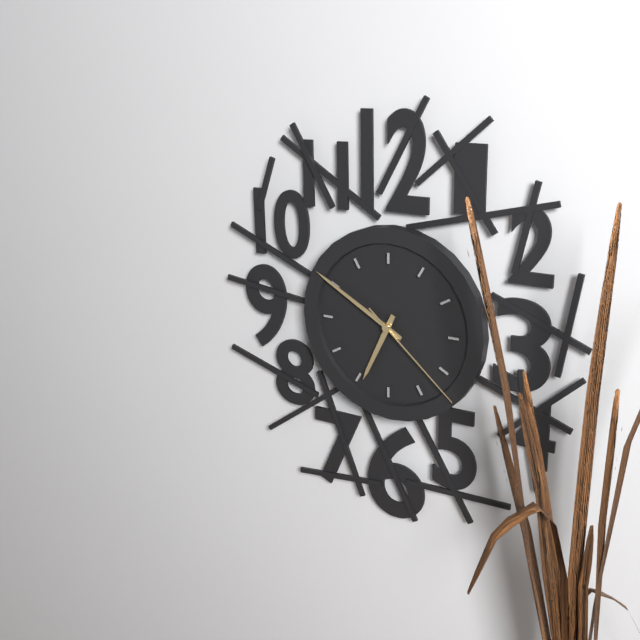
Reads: 6 h 50 min 22 s
